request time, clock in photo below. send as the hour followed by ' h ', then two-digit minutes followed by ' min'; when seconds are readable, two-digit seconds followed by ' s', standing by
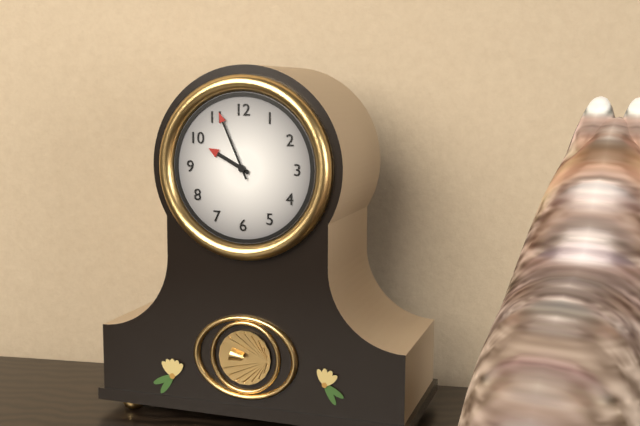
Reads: 9 h 56 min
